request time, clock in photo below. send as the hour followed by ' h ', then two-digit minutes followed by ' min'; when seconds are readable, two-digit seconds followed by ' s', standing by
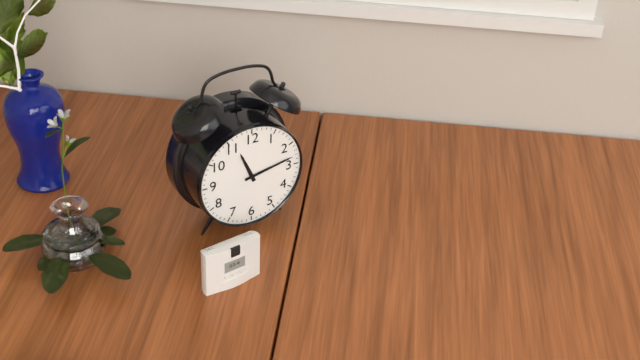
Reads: 11 h 13 min
